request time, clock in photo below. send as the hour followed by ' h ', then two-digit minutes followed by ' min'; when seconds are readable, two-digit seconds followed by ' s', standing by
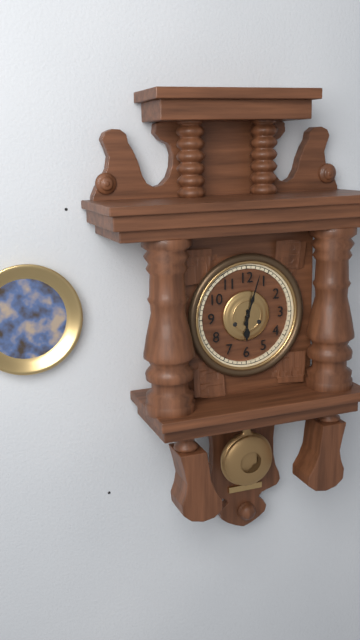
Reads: 6 h 03 min
